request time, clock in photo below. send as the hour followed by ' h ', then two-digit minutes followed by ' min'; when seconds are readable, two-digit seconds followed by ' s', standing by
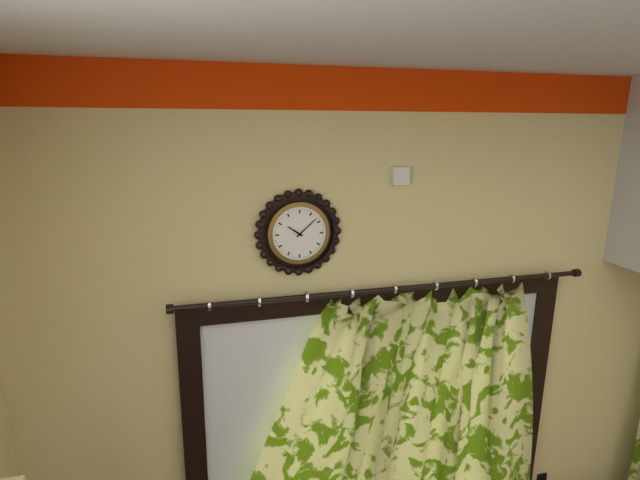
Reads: 10 h 08 min
